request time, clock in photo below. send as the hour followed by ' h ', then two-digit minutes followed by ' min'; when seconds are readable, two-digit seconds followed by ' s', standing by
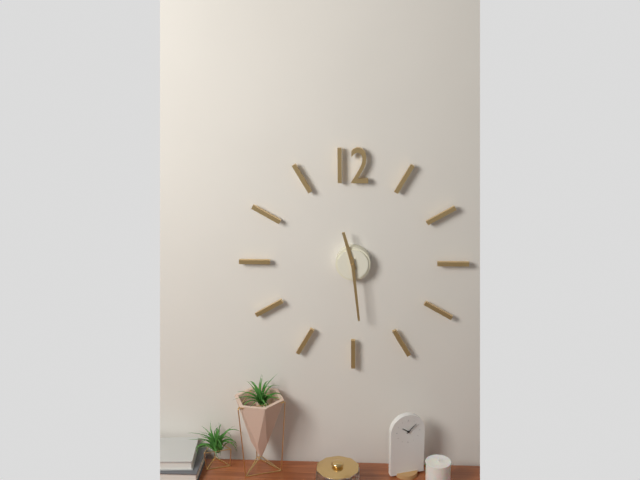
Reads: 11 h 29 min
